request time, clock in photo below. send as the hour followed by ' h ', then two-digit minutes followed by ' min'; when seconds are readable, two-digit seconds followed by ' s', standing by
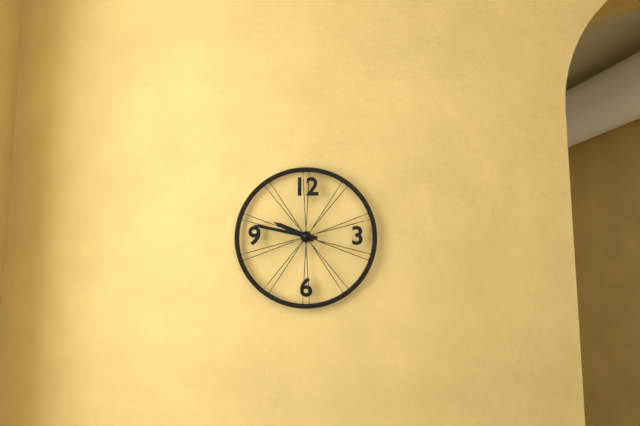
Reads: 9 h 47 min
